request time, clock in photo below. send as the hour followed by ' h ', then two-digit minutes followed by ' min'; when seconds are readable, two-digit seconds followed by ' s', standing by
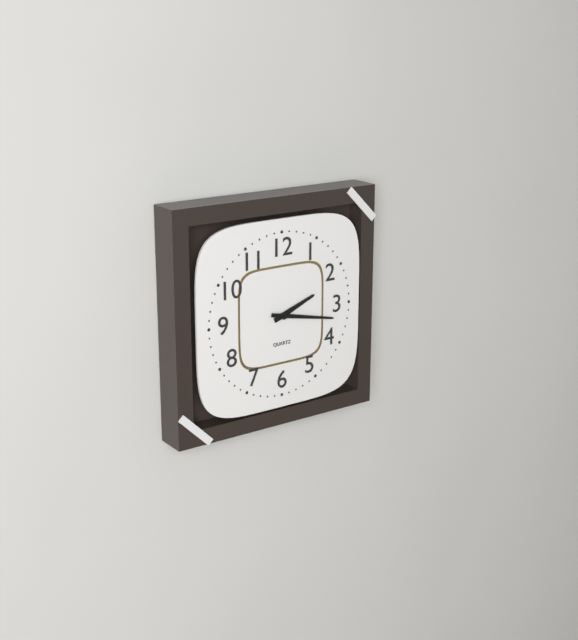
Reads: 2 h 17 min
